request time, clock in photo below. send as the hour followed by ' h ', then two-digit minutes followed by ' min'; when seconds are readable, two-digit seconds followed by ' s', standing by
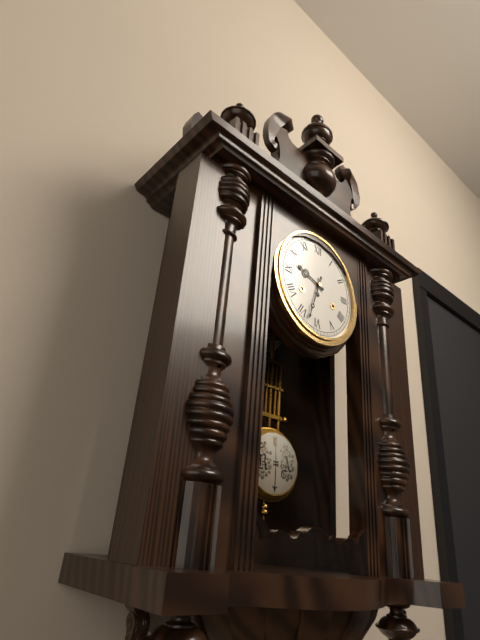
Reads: 9 h 33 min
